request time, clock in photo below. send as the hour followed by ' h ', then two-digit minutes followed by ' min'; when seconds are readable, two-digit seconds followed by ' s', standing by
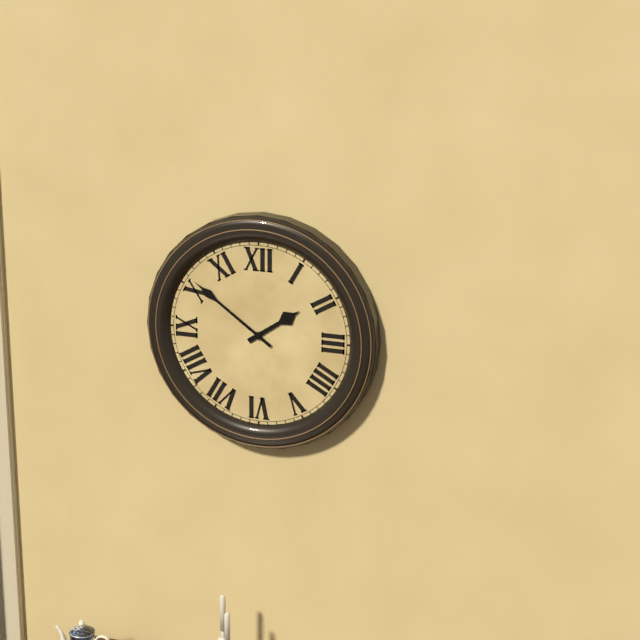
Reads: 1 h 51 min
